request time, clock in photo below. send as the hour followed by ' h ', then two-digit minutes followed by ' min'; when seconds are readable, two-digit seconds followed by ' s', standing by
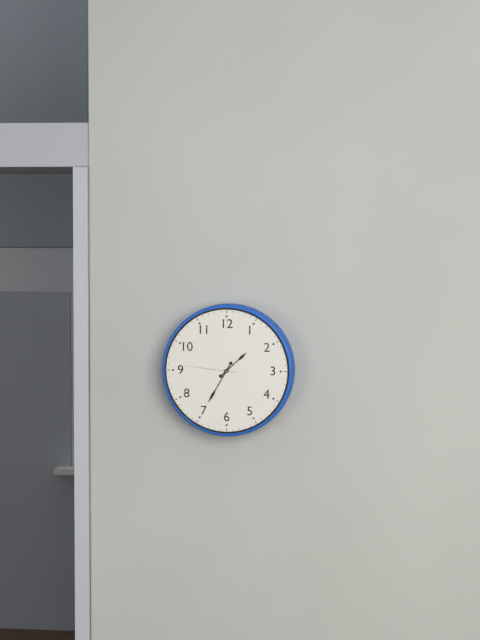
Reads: 1 h 35 min 46 s
